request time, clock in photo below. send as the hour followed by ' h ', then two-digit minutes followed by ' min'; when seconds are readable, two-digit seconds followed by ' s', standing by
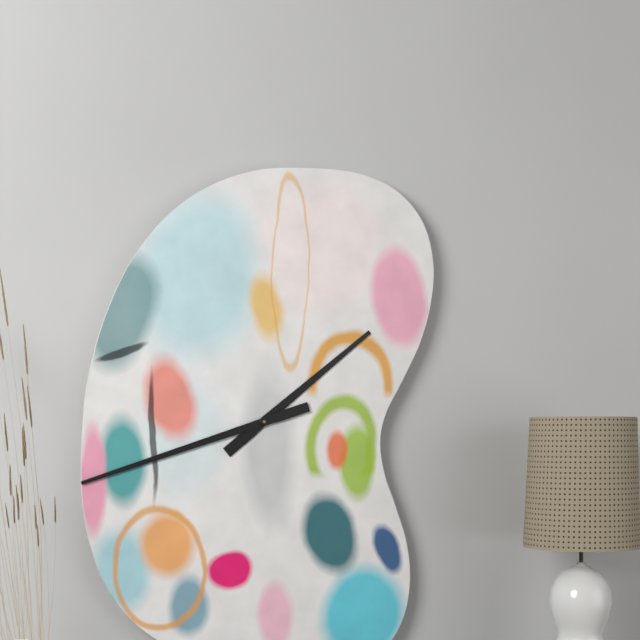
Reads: 1 h 42 min
